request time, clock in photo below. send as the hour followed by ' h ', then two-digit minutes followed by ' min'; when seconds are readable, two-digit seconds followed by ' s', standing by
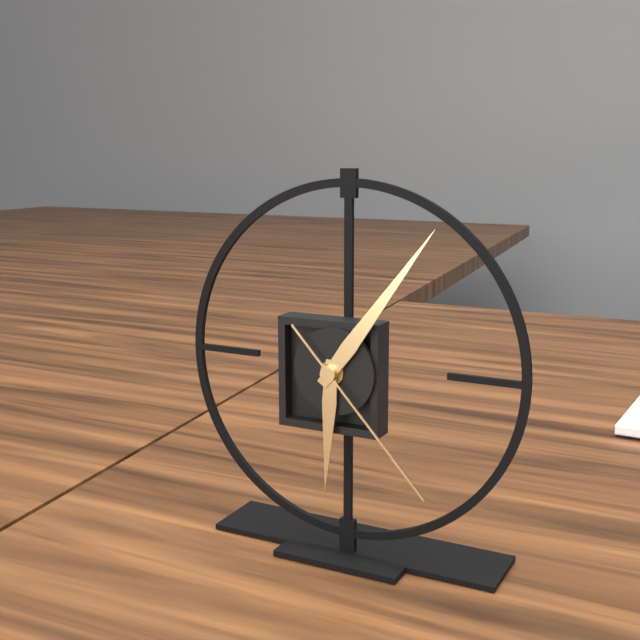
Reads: 6 h 06 min 23 s
